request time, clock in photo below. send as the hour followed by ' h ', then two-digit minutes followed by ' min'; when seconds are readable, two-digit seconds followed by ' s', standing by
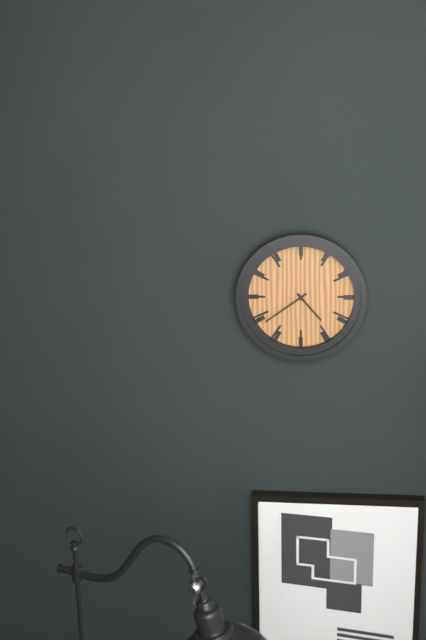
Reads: 4 h 39 min
